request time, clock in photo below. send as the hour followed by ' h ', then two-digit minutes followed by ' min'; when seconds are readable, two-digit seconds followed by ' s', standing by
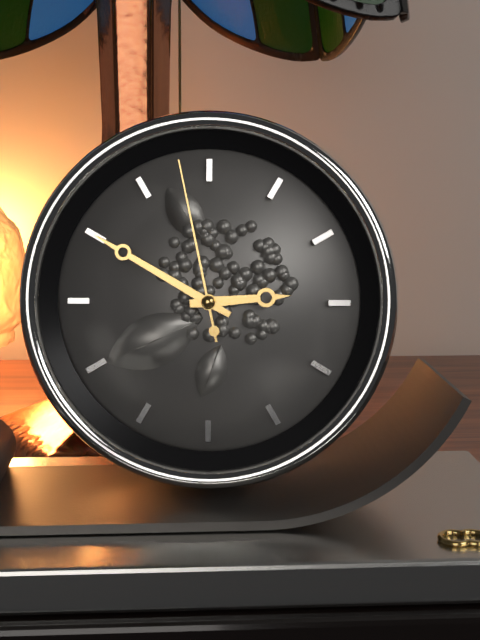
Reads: 2 h 50 min 58 s
